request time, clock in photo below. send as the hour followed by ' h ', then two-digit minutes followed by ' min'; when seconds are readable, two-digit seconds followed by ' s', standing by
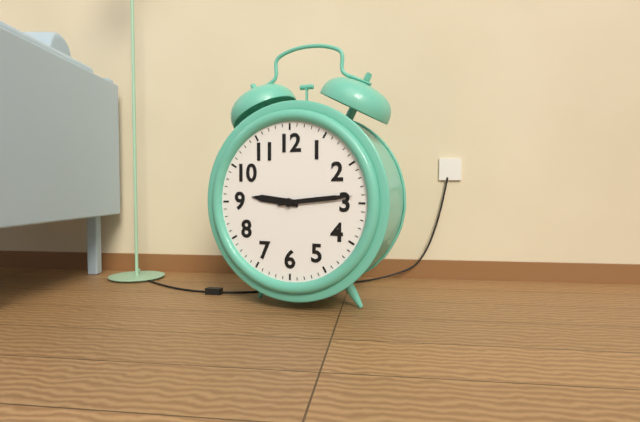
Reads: 9 h 14 min
